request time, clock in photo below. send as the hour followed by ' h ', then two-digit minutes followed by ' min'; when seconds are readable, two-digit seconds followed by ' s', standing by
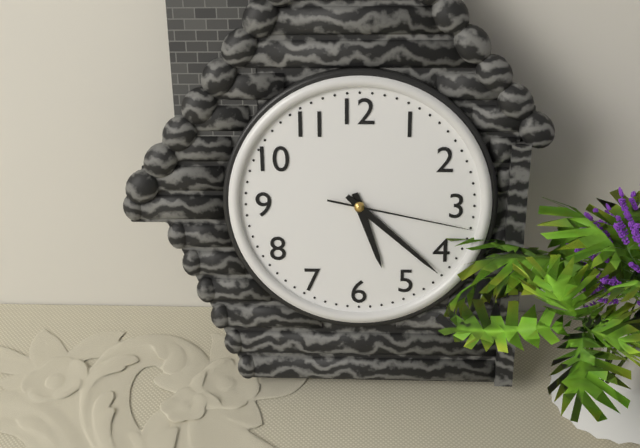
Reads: 5 h 22 min 17 s
